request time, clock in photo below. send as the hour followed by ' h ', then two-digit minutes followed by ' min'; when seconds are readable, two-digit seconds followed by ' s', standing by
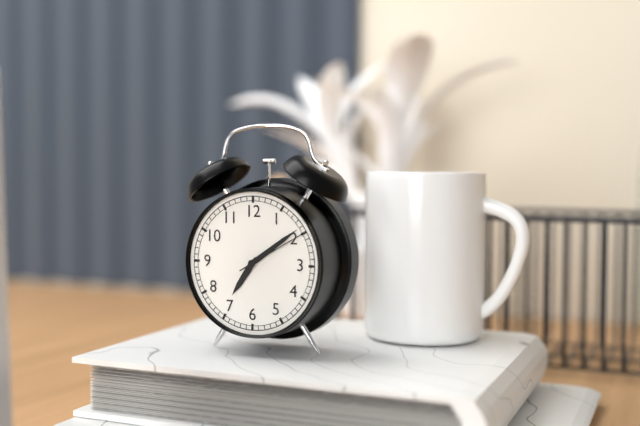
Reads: 7 h 09 min 10 s
